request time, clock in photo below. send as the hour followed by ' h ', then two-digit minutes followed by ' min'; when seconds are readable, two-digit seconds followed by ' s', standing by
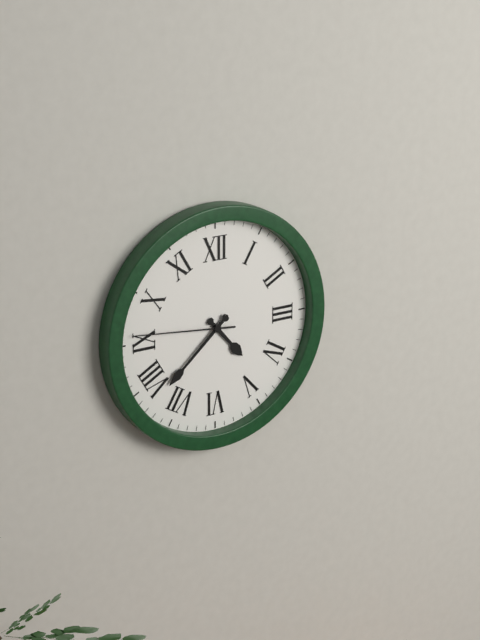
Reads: 4 h 38 min 46 s
